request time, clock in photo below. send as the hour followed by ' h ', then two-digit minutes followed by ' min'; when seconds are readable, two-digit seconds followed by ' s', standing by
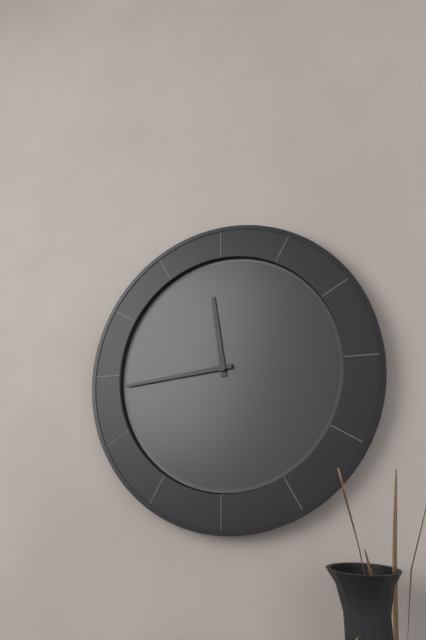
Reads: 11 h 44 min
